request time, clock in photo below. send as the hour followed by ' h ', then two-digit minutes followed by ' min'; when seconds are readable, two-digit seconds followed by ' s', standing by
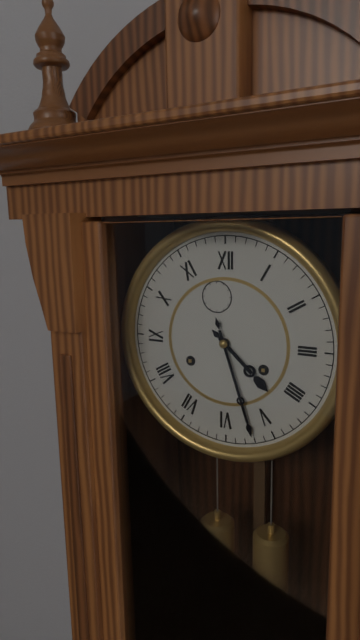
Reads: 4 h 27 min
